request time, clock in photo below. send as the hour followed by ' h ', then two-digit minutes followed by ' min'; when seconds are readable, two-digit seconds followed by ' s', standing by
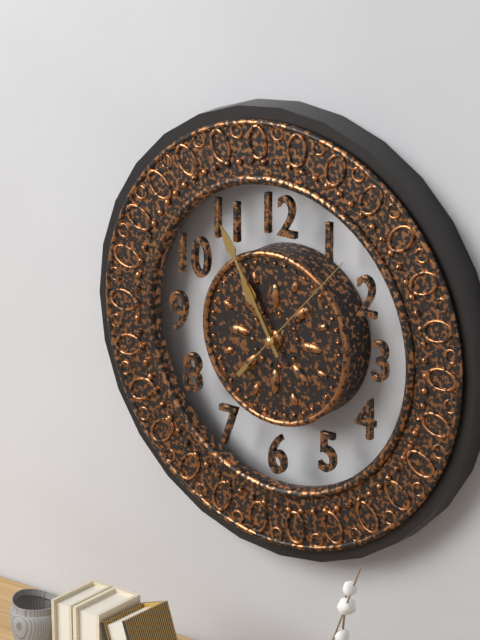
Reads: 10 h 55 min 07 s
